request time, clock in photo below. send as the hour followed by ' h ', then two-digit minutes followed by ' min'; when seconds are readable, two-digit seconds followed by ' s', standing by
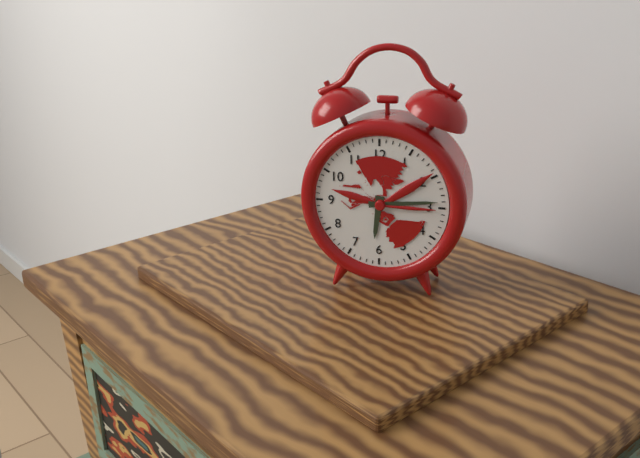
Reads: 6 h 14 min
